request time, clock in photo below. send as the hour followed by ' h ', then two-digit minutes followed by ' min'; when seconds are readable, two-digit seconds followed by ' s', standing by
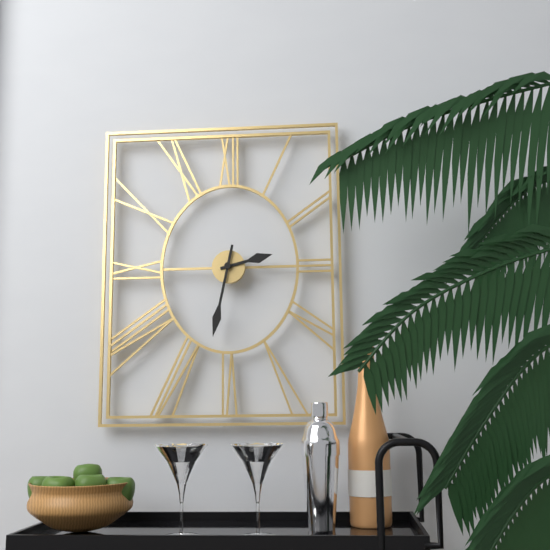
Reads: 2 h 32 min
